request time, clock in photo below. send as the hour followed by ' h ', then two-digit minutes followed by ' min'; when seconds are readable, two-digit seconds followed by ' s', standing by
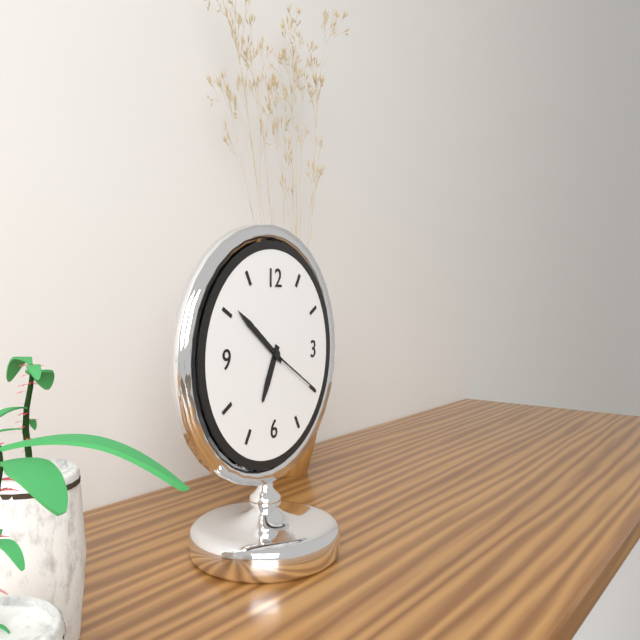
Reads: 6 h 51 min 20 s
